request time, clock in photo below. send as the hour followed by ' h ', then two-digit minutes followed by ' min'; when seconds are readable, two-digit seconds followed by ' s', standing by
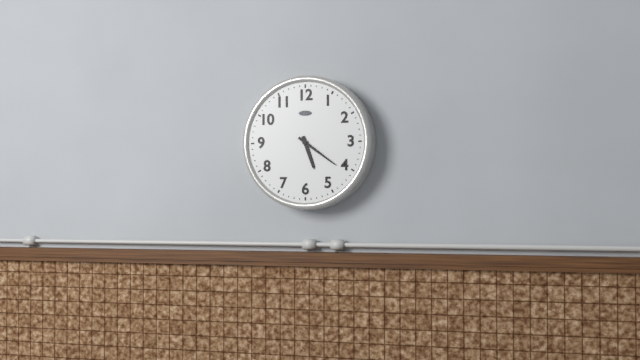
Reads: 5 h 21 min
